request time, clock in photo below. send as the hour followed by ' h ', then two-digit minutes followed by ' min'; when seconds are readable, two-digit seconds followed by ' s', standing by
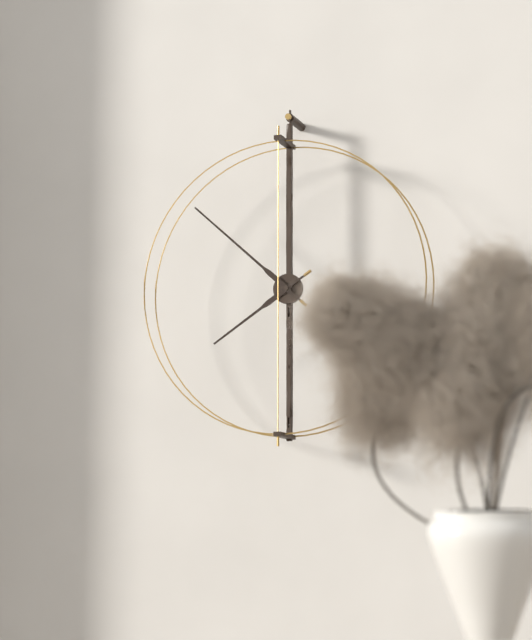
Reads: 7 h 52 min
